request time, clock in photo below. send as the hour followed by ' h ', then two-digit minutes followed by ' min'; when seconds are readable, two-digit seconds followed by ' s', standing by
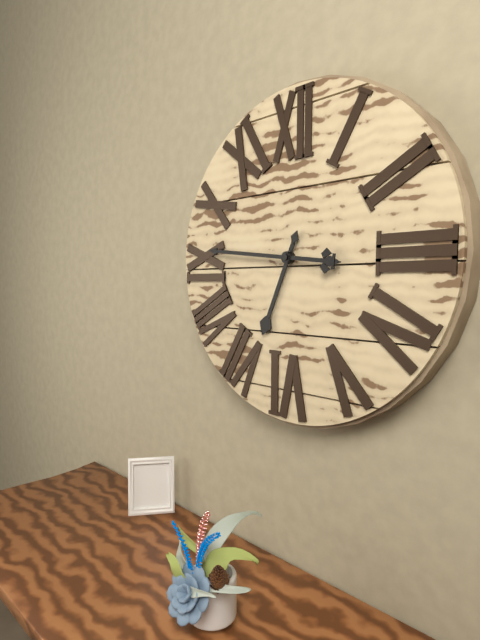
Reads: 6 h 46 min
